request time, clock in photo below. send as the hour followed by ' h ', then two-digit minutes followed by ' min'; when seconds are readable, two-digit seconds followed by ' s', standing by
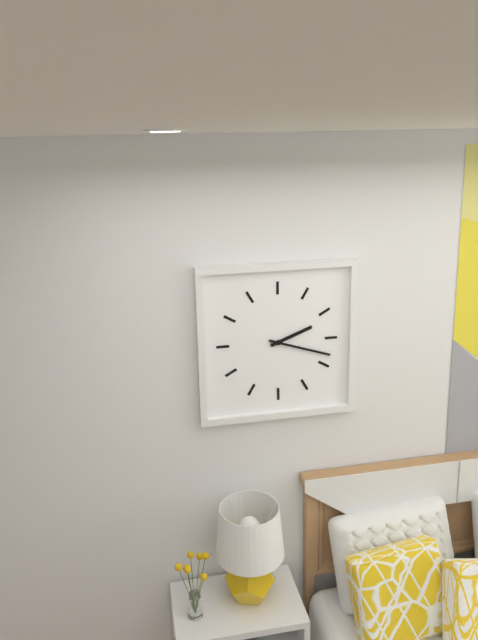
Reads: 2 h 18 min
